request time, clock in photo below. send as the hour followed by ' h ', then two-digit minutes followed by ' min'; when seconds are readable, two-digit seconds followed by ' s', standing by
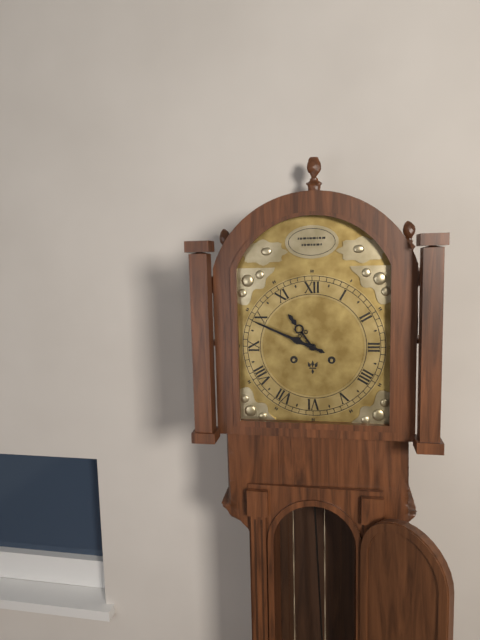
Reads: 10 h 49 min
